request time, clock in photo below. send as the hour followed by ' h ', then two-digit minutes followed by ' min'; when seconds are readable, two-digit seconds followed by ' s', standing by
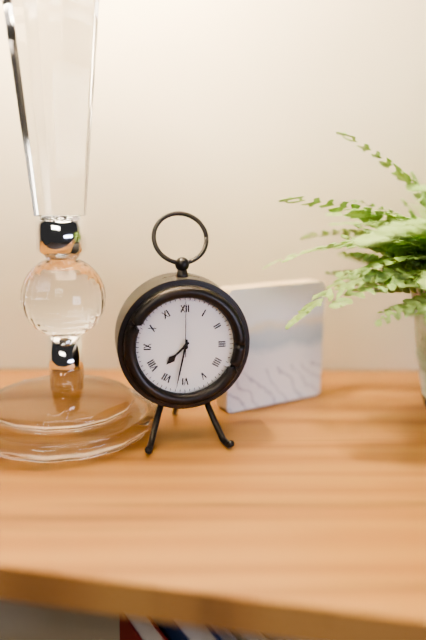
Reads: 7 h 32 min 00 s
